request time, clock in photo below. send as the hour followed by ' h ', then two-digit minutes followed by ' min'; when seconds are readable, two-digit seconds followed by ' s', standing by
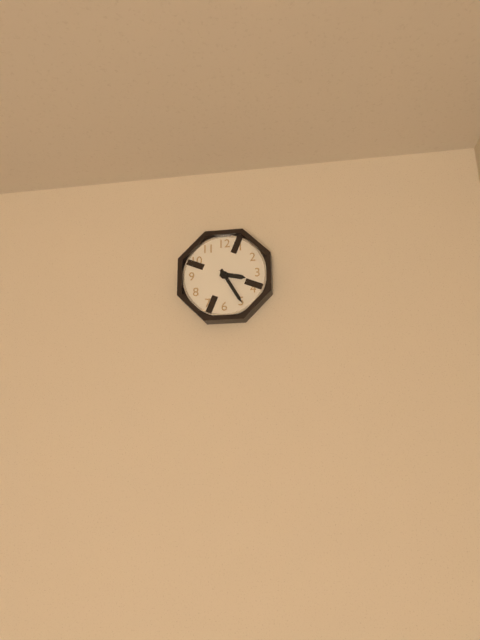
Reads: 3 h 25 min
